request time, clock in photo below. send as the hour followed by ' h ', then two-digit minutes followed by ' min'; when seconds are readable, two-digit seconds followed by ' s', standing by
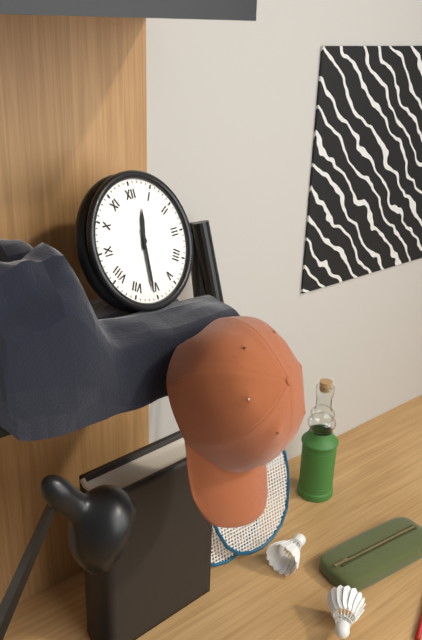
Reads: 12 h 31 min
